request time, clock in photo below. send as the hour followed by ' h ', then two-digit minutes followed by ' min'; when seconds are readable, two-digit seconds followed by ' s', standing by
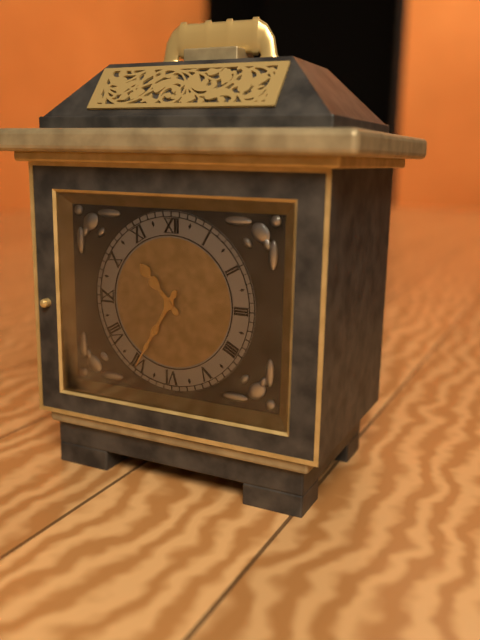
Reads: 10 h 35 min
